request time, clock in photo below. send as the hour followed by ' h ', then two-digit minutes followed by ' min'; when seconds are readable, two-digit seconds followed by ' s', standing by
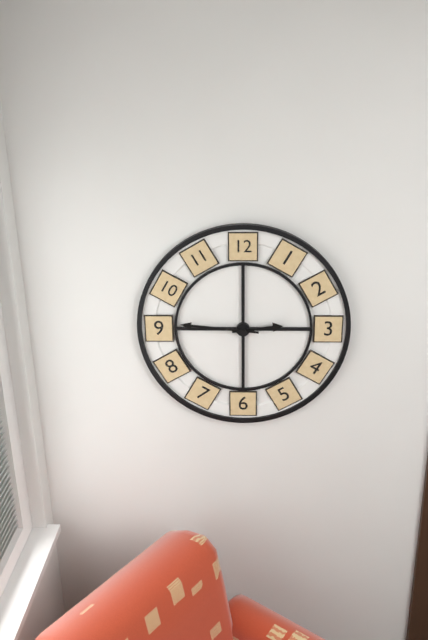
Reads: 2 h 46 min
